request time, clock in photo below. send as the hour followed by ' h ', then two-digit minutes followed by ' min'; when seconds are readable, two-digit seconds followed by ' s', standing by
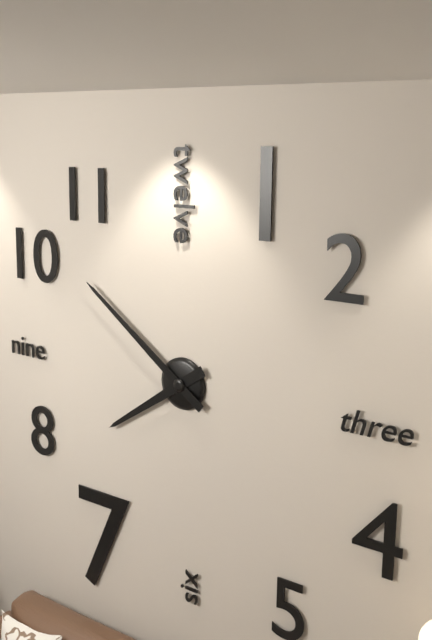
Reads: 7 h 51 min
